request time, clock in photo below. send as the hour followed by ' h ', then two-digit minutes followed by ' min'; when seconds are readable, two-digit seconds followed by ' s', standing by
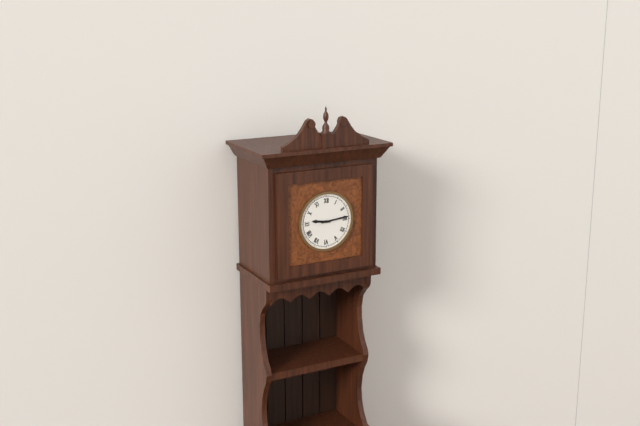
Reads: 9 h 14 min
